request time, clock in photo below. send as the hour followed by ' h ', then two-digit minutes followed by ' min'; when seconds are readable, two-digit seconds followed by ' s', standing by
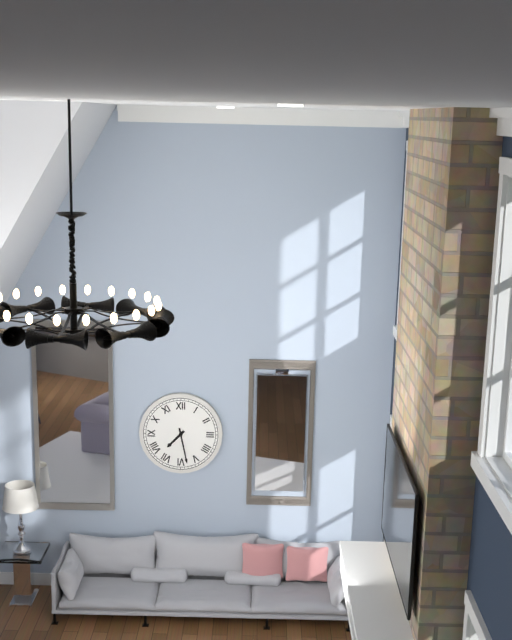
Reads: 7 h 28 min
